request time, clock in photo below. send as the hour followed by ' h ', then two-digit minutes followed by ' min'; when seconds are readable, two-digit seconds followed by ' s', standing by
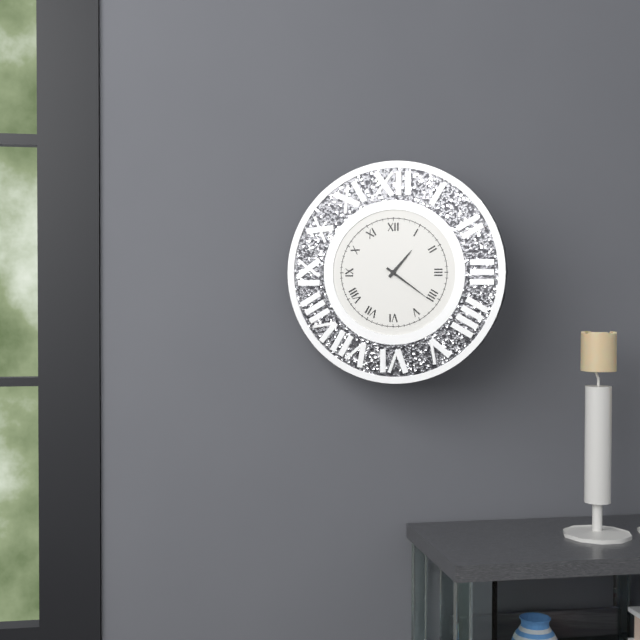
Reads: 1 h 21 min
